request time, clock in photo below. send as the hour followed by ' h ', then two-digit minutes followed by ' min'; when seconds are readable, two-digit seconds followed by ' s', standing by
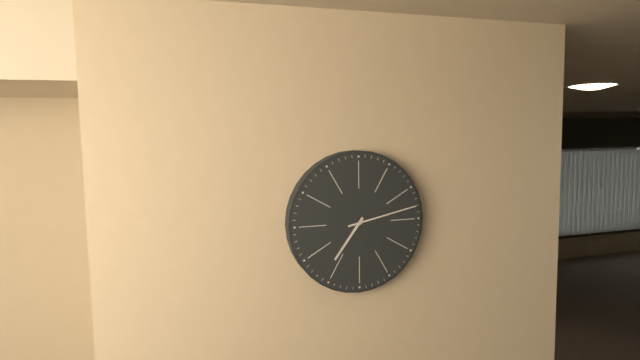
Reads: 7 h 13 min
